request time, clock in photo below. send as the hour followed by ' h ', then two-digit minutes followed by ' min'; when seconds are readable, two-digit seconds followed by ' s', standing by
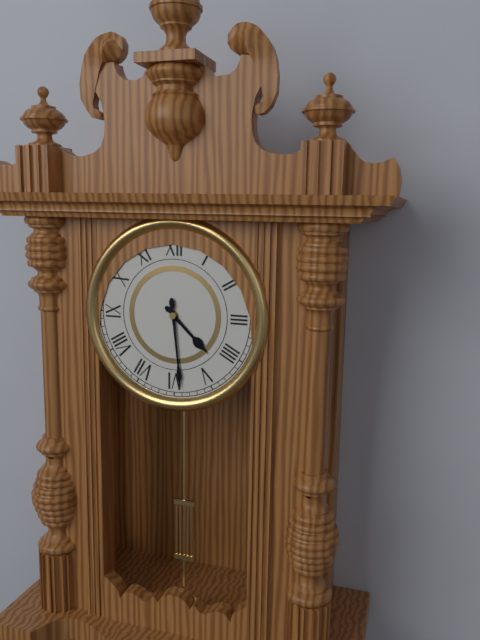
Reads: 4 h 29 min
